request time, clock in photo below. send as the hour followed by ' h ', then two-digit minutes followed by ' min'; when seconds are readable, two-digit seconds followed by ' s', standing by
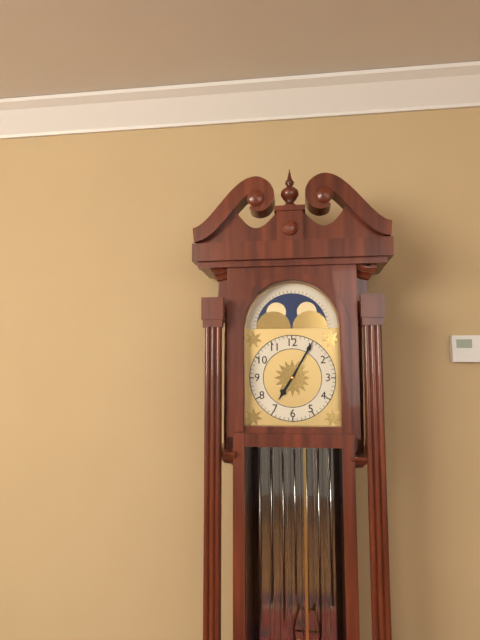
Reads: 7 h 05 min
